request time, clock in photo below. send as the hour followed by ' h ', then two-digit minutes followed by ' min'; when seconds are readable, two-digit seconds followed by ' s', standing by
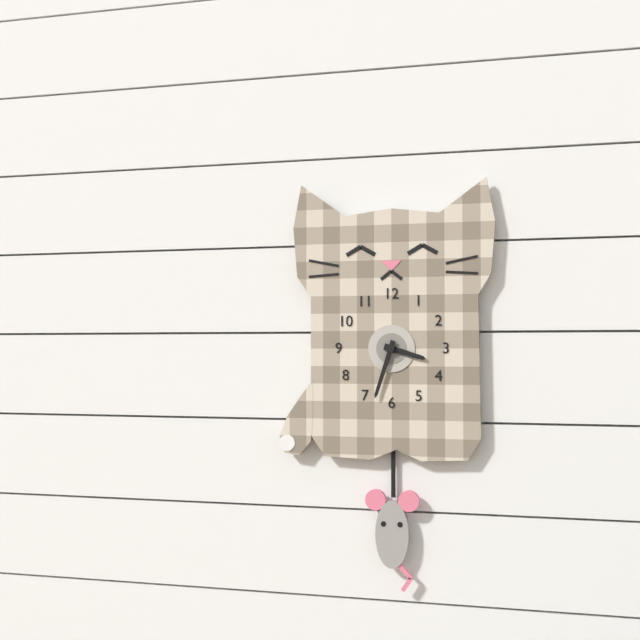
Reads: 3 h 33 min
